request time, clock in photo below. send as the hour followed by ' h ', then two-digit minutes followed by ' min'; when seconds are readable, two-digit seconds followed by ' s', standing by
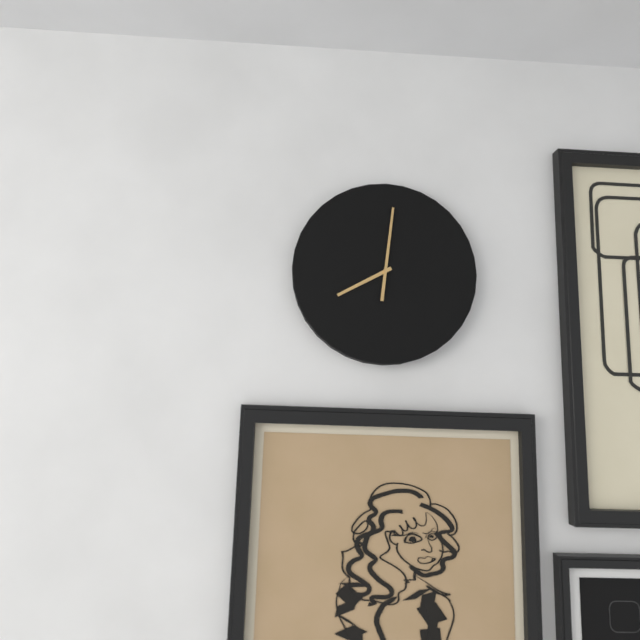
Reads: 8 h 01 min
